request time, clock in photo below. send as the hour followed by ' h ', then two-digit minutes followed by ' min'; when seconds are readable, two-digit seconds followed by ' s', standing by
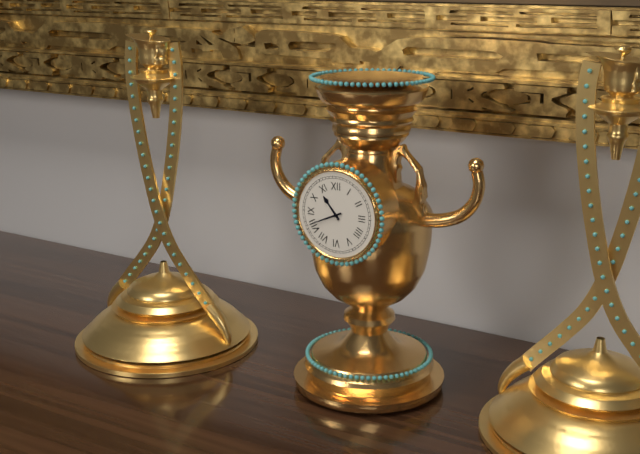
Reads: 10 h 41 min
